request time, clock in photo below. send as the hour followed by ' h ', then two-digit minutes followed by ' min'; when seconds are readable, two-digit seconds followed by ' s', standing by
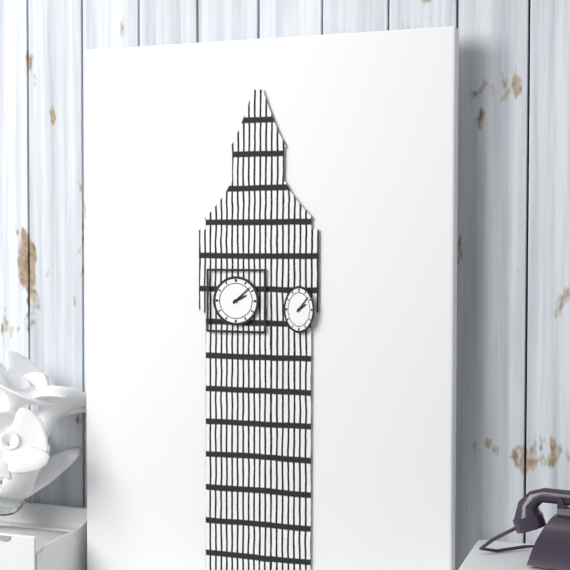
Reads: 2 h 08 min
